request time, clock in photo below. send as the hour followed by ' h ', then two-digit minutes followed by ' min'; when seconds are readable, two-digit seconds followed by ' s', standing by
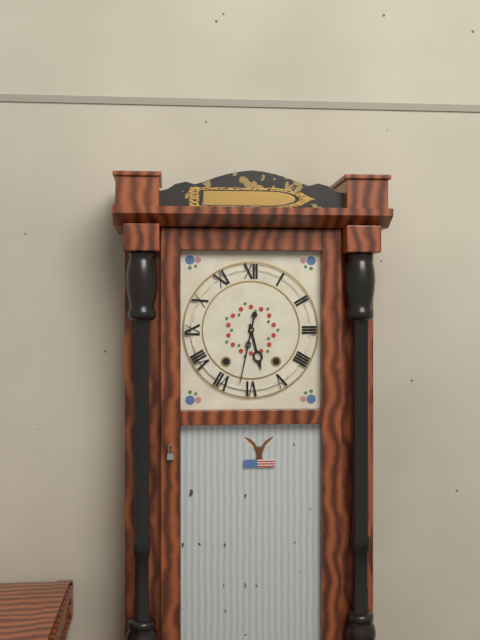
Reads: 5 h 32 min
